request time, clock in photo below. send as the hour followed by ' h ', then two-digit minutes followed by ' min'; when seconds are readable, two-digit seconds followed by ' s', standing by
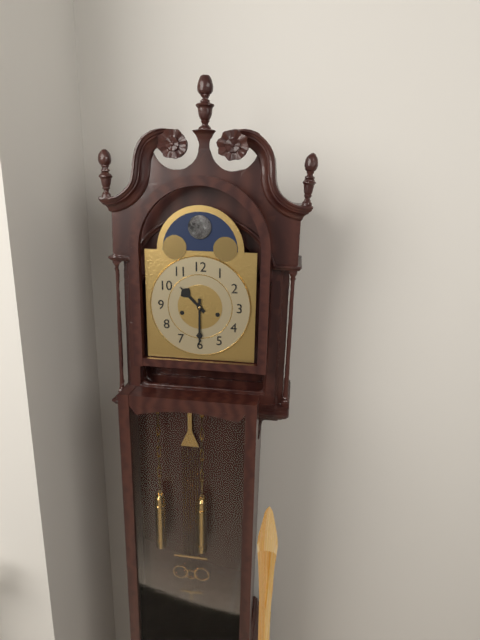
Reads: 10 h 30 min
